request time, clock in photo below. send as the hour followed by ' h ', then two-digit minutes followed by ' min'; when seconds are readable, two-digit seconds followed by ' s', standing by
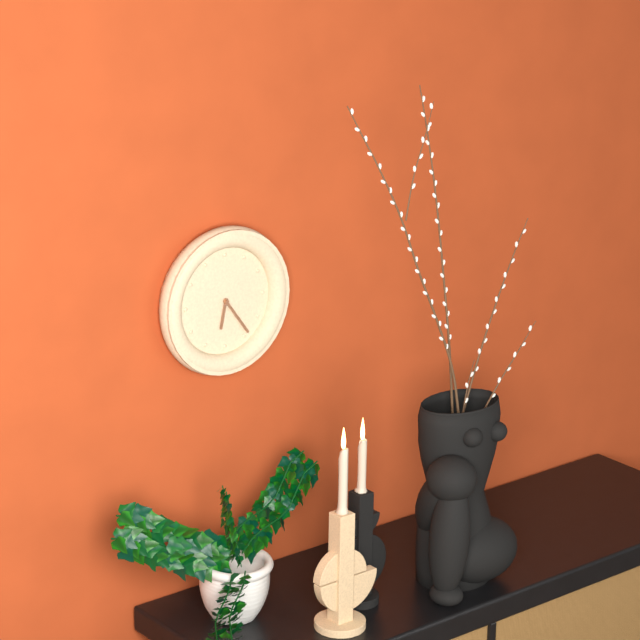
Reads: 6 h 24 min
